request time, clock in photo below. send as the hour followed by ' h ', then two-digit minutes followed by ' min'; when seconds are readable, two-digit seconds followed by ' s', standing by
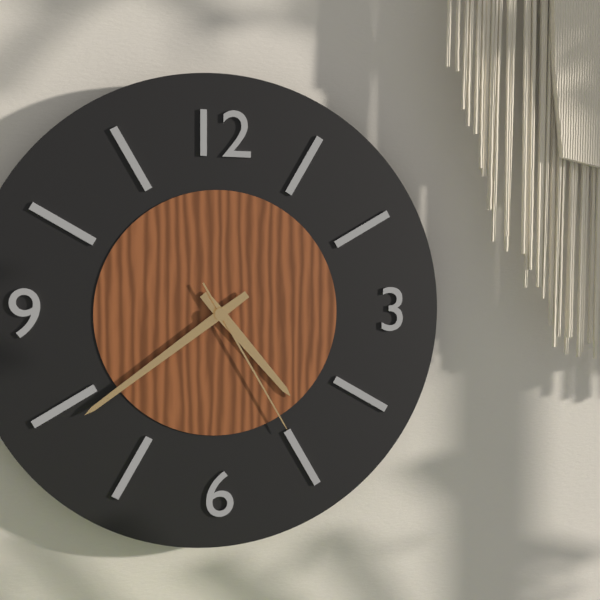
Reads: 4 h 39 min 25 s
